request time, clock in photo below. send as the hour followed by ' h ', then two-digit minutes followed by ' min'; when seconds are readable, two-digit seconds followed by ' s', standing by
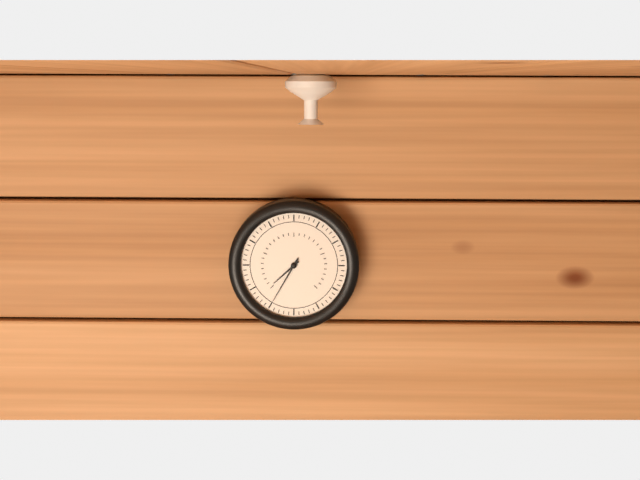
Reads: 7 h 35 min
